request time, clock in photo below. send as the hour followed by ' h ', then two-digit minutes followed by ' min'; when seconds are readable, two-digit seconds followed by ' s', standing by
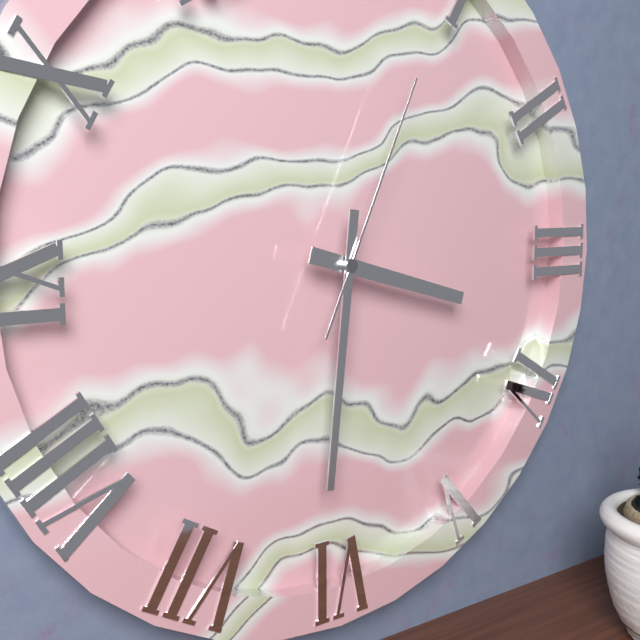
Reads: 3 h 31 min 04 s
